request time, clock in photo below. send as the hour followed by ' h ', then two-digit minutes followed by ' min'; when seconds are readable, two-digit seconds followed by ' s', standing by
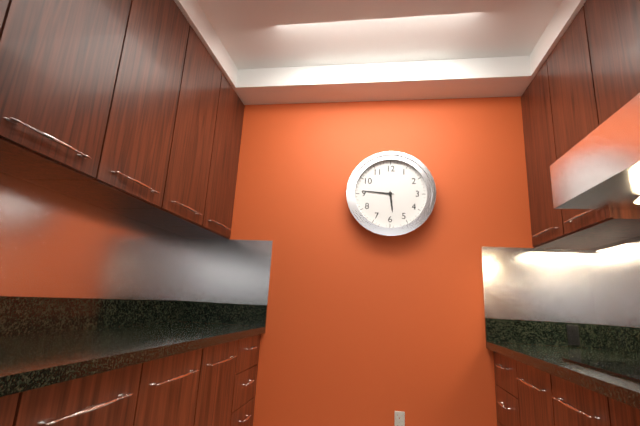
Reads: 5 h 46 min
